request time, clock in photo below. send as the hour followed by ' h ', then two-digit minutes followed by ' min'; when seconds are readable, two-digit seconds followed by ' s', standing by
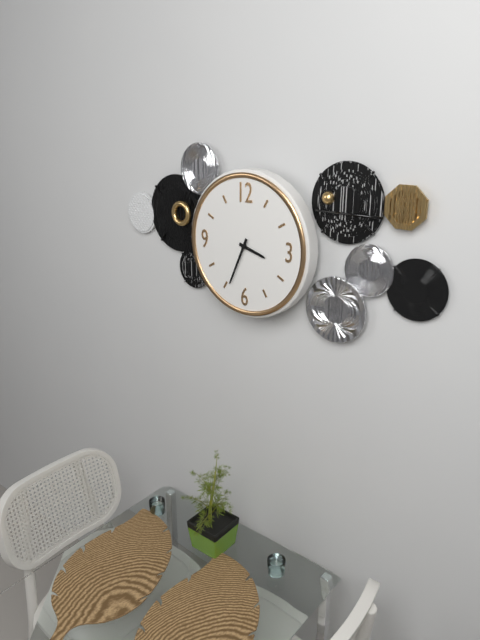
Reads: 3 h 34 min
